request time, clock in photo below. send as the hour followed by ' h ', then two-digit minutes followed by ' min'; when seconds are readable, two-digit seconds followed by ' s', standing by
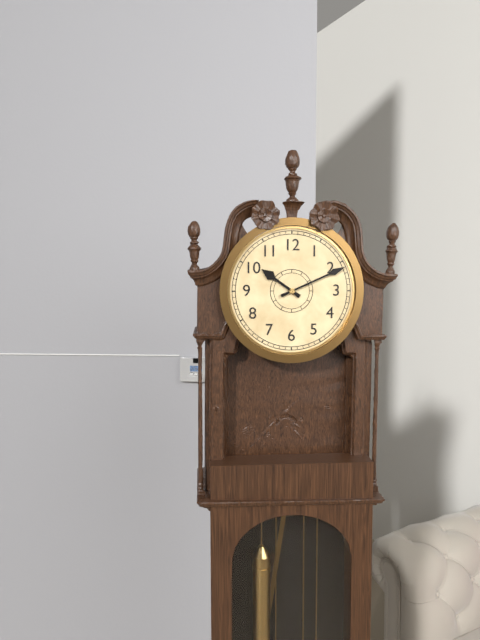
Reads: 10 h 11 min
